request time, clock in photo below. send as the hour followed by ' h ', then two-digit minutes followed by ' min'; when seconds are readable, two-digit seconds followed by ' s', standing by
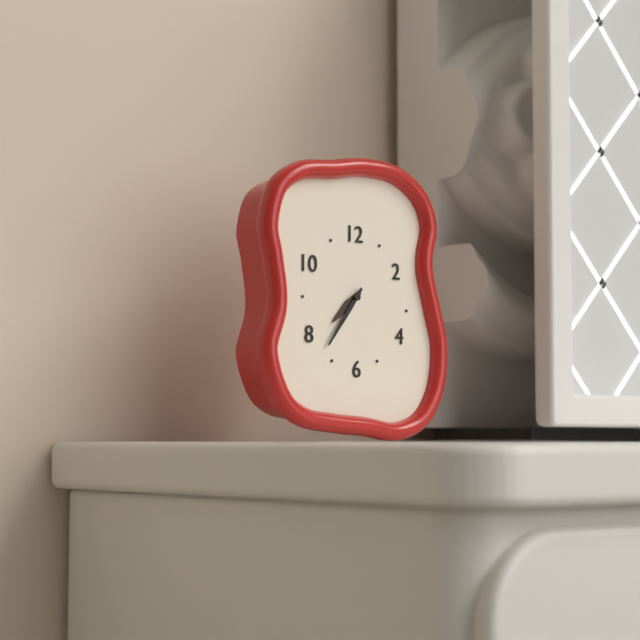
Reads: 7 h 36 min
